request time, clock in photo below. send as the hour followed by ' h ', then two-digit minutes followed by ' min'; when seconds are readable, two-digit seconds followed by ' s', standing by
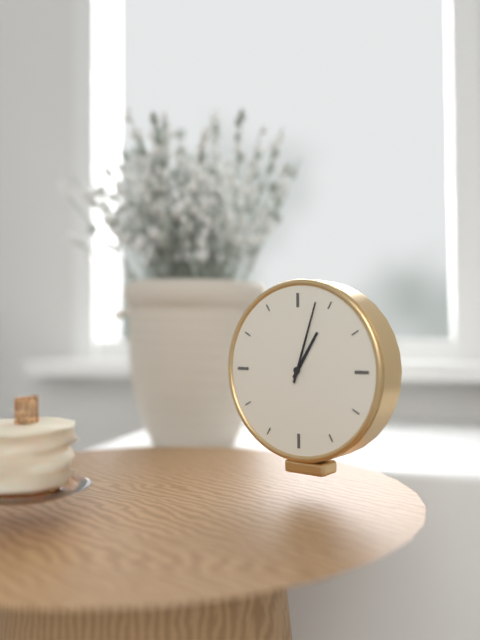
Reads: 1 h 03 min
